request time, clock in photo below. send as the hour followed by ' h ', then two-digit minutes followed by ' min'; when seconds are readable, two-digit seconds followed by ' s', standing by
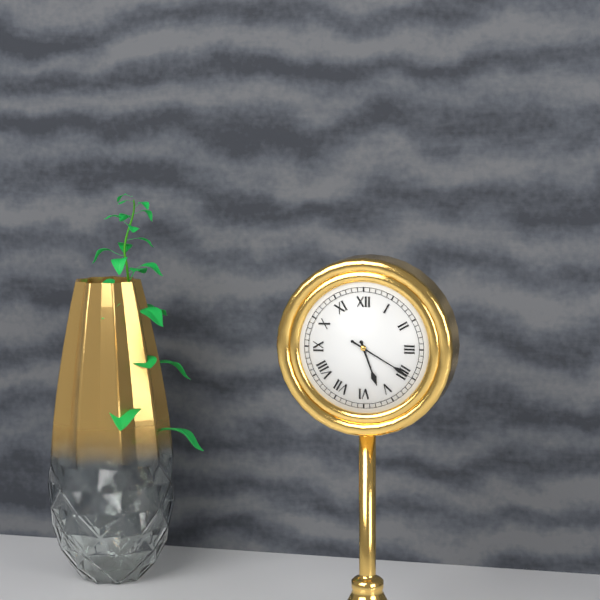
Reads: 5 h 20 min
